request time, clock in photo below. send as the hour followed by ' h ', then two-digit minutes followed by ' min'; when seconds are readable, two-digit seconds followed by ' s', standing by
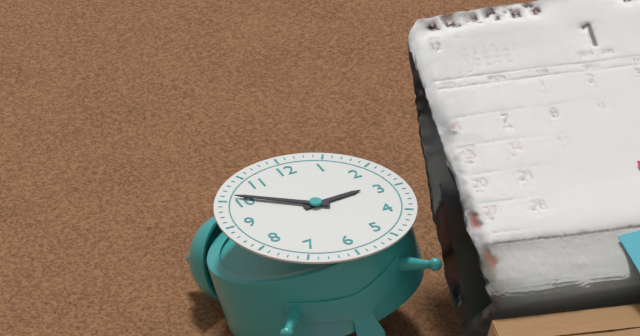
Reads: 2 h 51 min
